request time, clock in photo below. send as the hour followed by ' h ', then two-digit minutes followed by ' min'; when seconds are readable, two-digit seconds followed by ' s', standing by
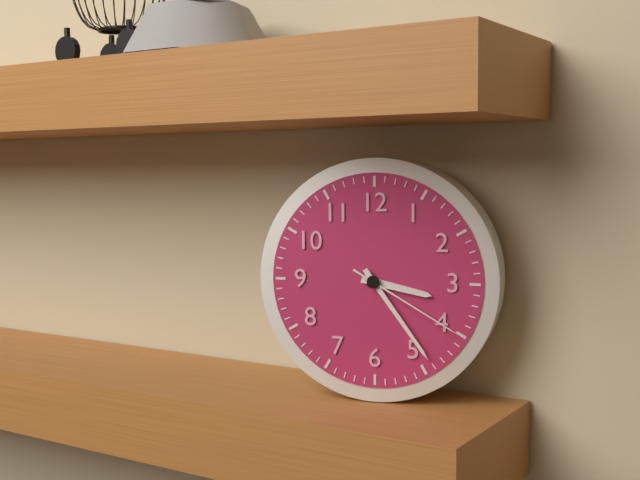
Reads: 3 h 24 min 20 s
